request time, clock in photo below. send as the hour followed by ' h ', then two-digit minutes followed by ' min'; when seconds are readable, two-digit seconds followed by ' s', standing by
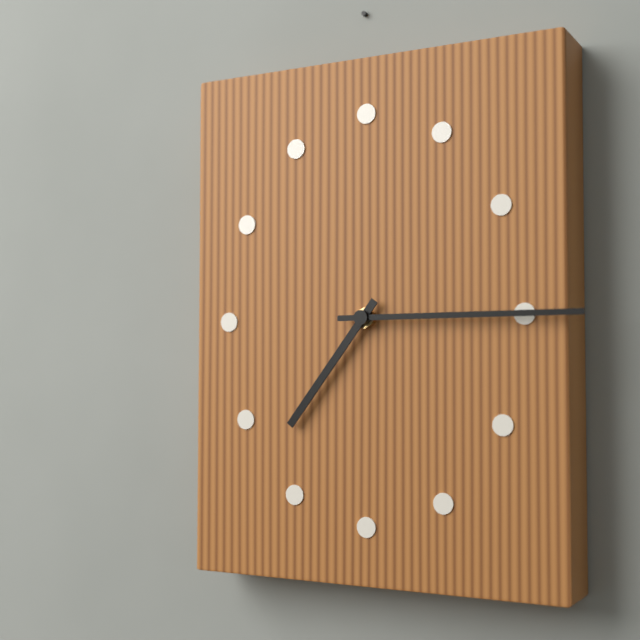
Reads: 7 h 15 min
